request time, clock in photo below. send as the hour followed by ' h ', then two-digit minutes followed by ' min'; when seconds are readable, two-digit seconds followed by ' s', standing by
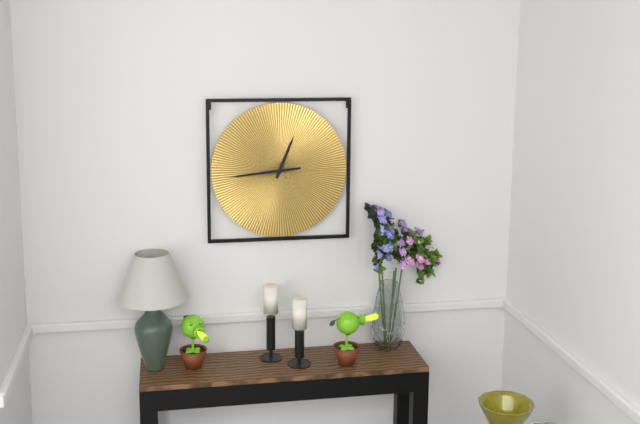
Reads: 12 h 44 min
